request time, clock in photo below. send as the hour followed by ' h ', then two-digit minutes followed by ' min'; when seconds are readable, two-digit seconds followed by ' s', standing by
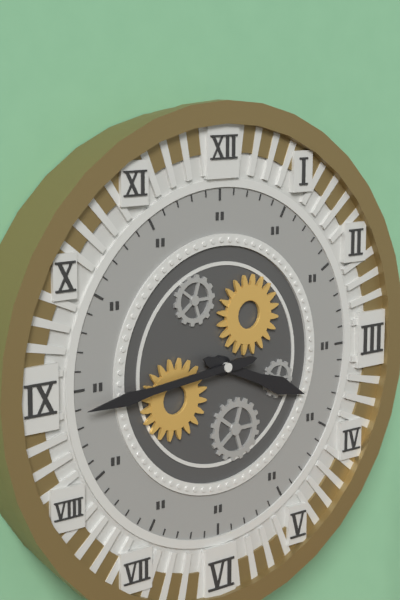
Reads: 3 h 44 min
